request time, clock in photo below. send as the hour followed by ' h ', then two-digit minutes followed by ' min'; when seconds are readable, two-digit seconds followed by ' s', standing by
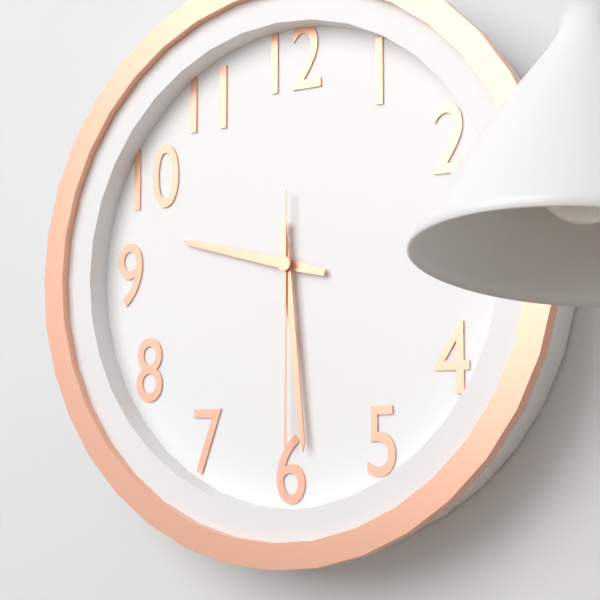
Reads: 9 h 29 min 30 s
